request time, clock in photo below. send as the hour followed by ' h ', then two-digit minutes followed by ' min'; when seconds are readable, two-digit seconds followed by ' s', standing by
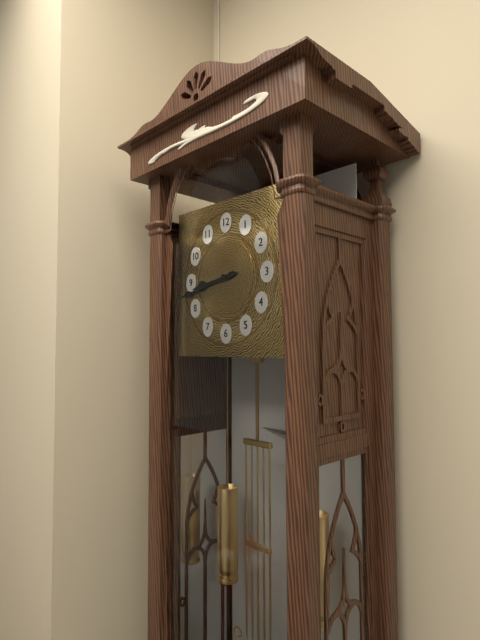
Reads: 8 h 43 min
